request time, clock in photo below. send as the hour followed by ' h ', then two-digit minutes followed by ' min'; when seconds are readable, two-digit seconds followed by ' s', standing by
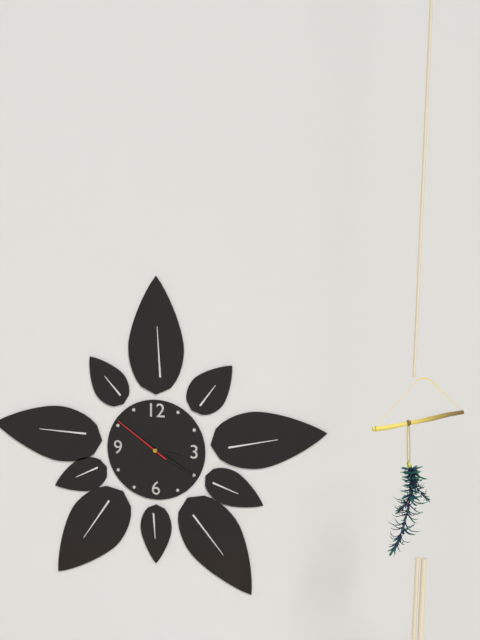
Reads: 3 h 20 min 51 s
